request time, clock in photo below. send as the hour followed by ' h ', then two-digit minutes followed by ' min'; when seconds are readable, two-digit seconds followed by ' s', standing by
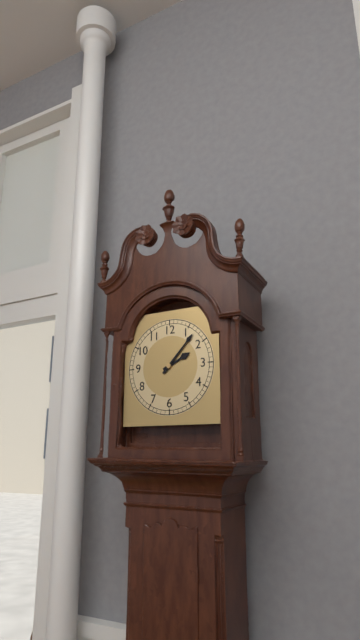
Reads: 2 h 07 min
